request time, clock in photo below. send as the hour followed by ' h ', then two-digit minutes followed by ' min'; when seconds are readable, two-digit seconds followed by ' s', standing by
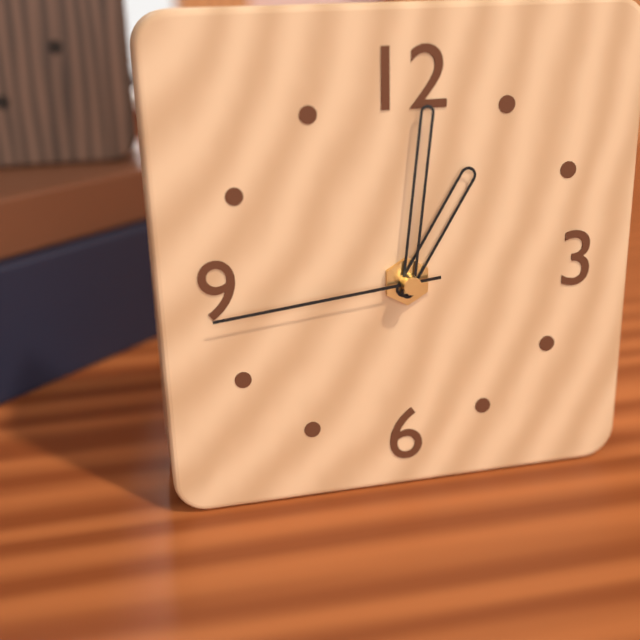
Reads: 1 h 01 min 44 s
